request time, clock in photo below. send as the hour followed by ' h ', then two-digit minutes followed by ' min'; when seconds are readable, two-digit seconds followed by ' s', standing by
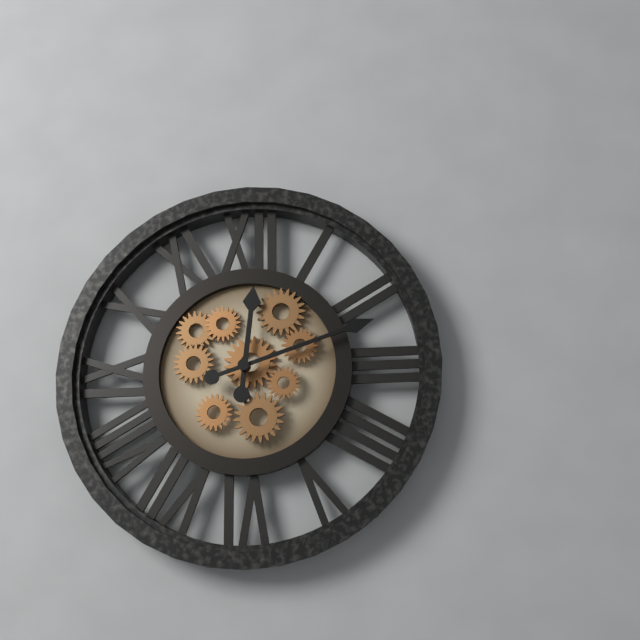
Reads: 12 h 12 min
